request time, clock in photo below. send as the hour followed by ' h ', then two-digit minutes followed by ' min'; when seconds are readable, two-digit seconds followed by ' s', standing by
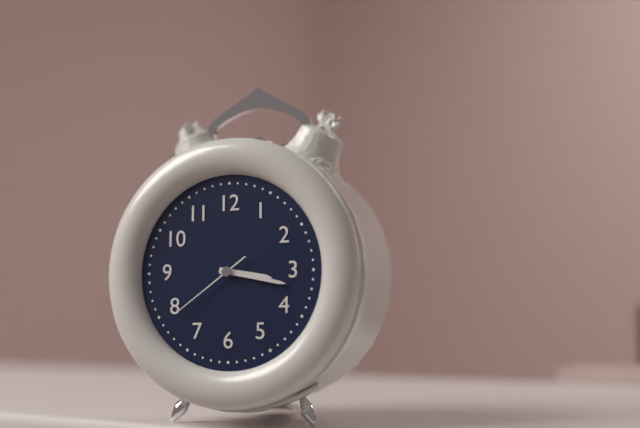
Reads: 3 h 17 min 39 s
